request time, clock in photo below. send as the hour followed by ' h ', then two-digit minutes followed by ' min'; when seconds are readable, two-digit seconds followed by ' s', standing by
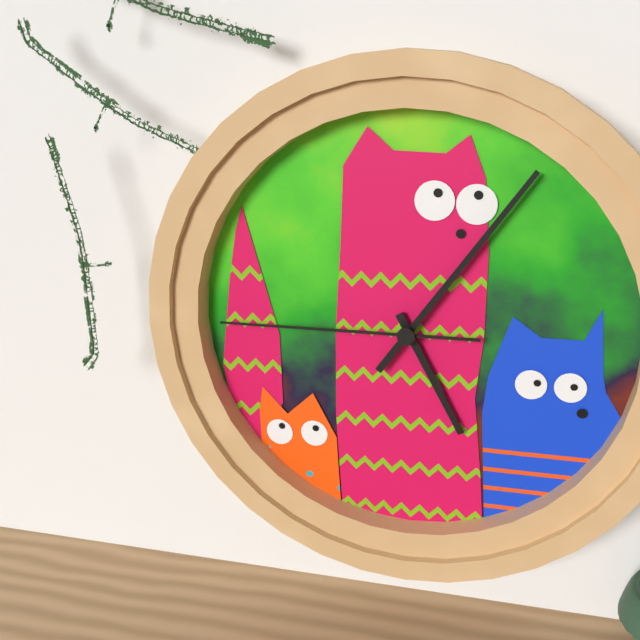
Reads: 5 h 06 min 45 s
